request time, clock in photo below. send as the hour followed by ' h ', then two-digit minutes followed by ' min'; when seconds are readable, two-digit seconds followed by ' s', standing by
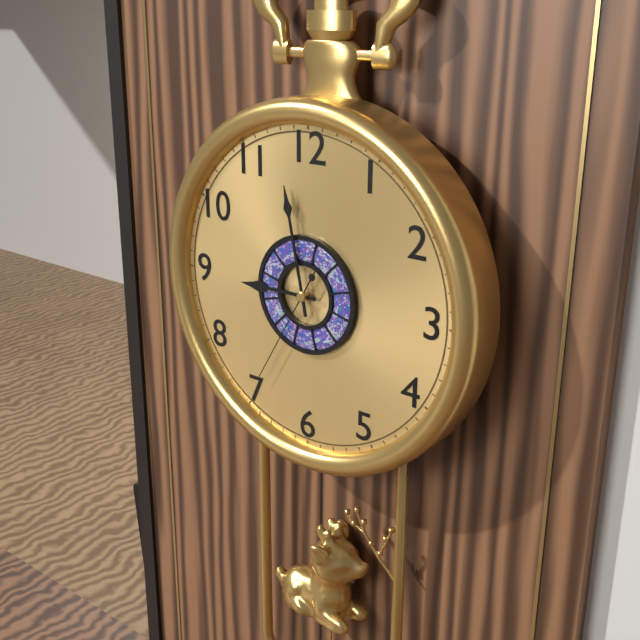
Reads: 8 h 58 min 35 s
